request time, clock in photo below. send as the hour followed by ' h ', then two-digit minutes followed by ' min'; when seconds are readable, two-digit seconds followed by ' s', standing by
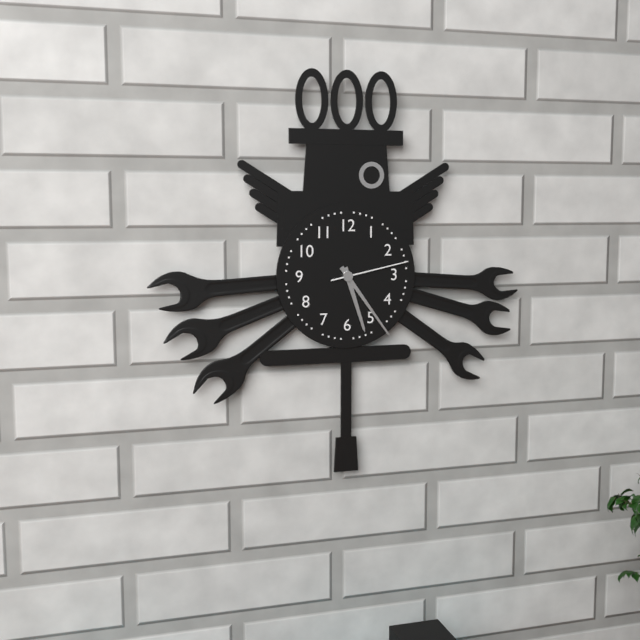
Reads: 5 h 24 min 13 s
